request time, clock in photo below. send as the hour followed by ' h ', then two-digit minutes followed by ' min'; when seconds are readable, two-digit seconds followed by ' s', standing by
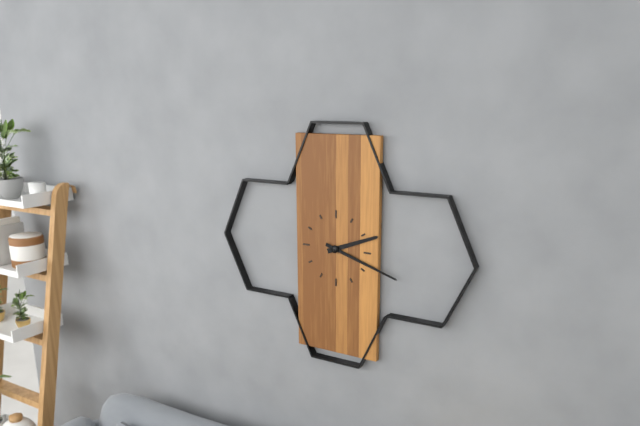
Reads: 2 h 18 min
